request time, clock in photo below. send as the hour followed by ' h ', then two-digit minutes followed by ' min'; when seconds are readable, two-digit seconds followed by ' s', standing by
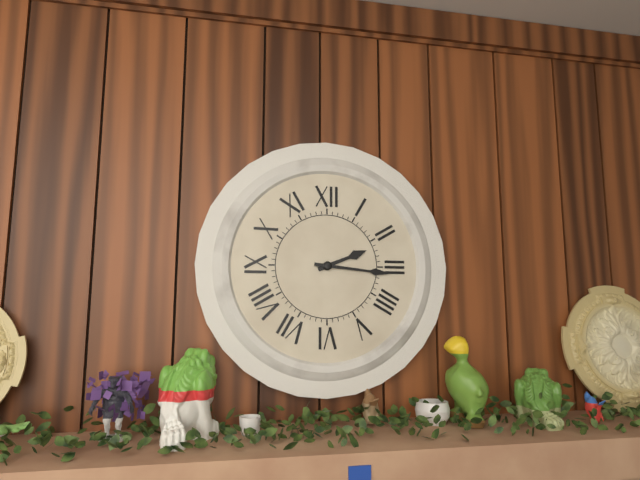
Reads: 2 h 16 min
